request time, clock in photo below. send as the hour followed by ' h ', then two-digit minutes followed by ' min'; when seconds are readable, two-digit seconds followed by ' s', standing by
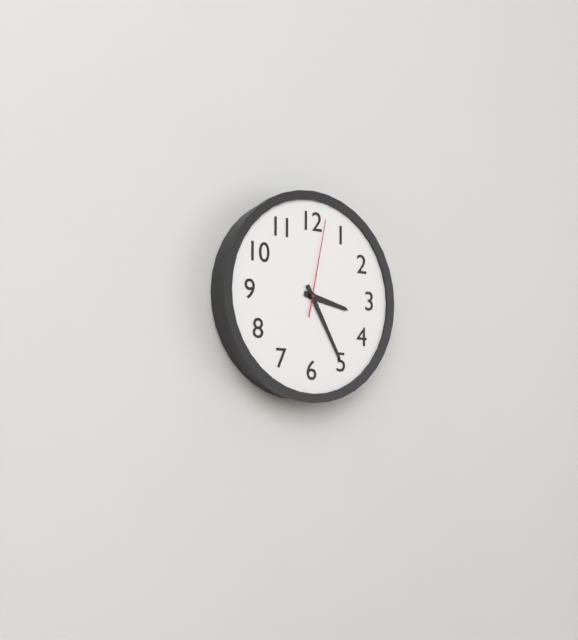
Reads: 3 h 25 min 02 s
